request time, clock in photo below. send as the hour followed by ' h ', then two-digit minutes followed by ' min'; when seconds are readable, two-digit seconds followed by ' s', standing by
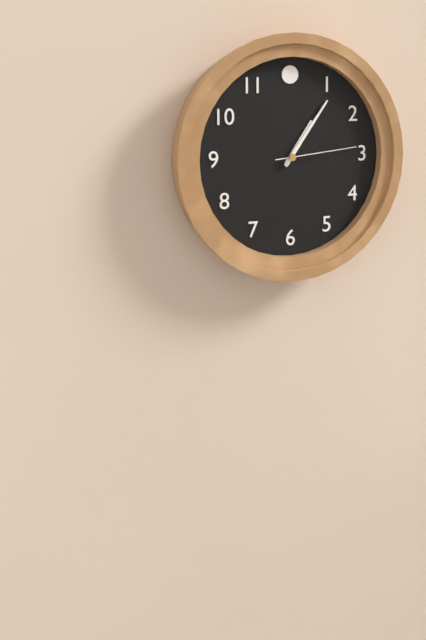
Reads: 1 h 06 min 14 s
